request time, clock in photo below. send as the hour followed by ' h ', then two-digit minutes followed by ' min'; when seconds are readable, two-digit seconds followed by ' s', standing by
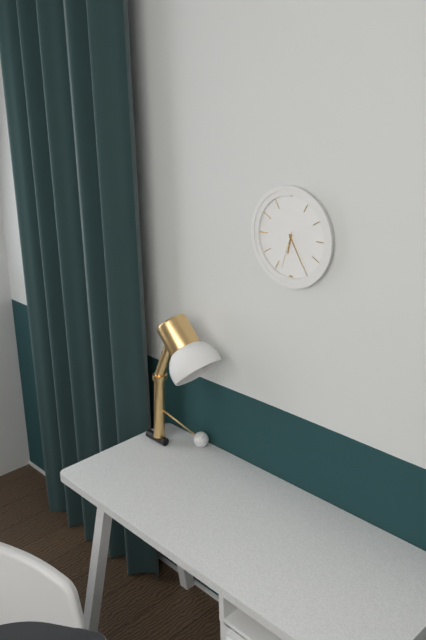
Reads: 6 h 25 min
